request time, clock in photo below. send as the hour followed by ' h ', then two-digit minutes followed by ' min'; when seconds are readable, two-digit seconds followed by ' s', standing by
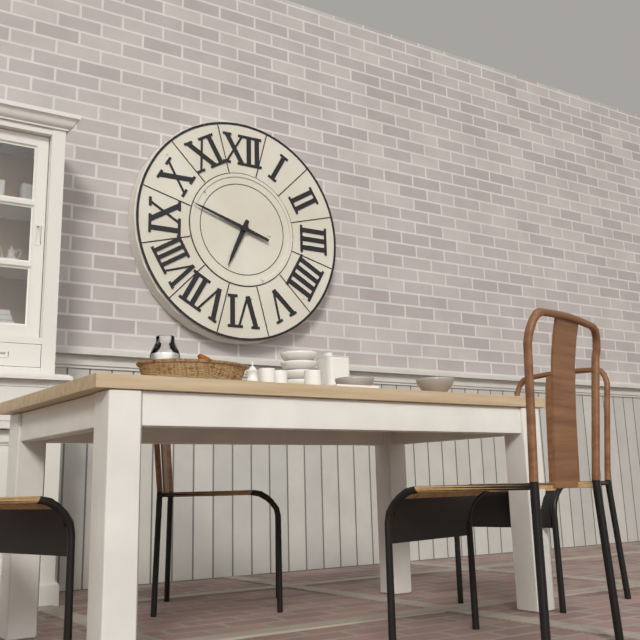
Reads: 6 h 48 min
